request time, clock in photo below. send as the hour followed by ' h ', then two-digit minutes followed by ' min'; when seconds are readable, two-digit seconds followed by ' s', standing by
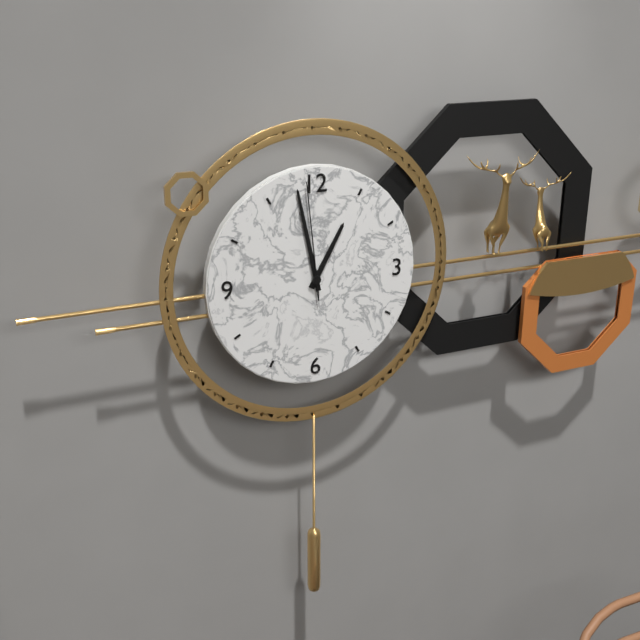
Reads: 12 h 58 min 59 s
